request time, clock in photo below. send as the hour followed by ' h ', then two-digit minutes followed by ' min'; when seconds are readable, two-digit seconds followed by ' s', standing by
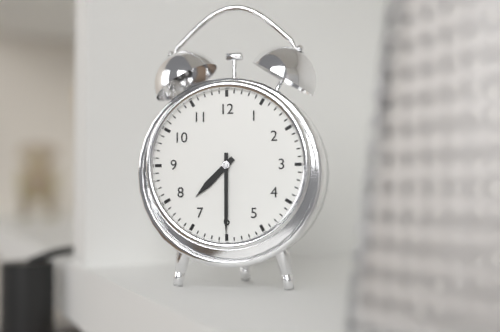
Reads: 7 h 30 min
